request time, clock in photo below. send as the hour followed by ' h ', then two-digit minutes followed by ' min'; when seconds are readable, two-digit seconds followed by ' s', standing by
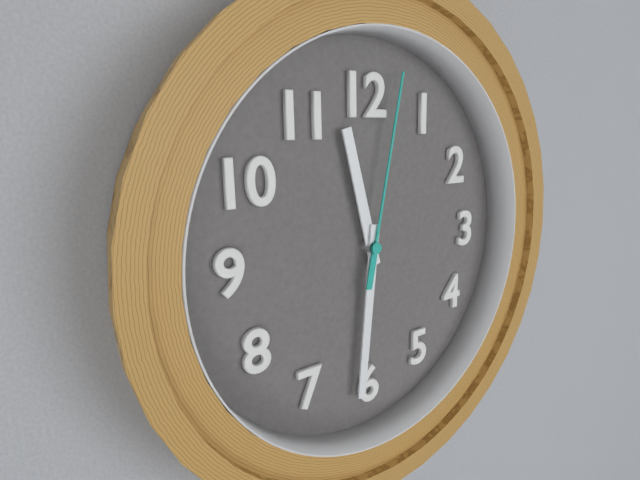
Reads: 11 h 31 min 02 s
